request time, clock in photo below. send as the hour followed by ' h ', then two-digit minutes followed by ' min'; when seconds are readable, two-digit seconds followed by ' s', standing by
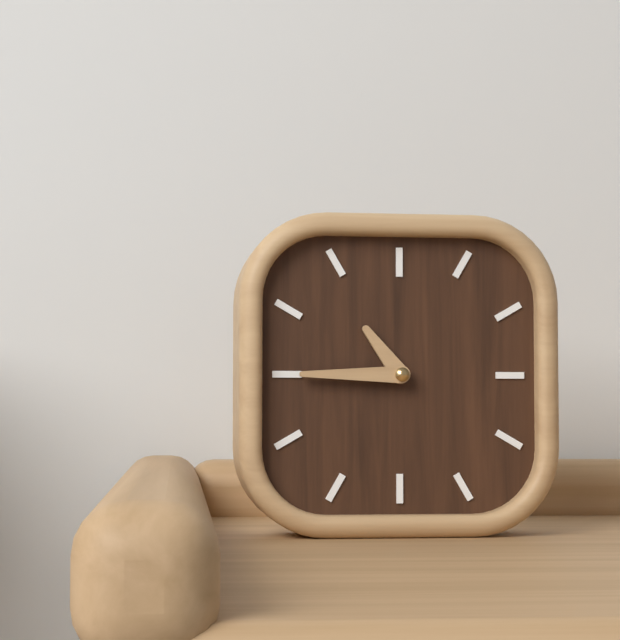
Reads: 10 h 45 min
